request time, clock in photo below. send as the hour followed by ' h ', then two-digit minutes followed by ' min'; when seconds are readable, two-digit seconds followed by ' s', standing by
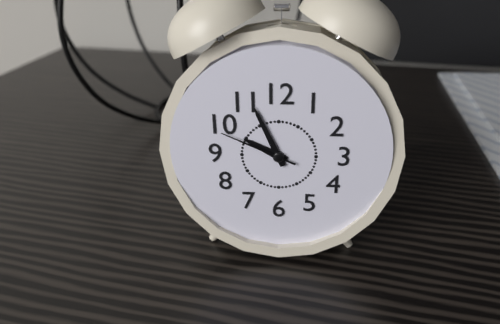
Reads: 9 h 56 min 49 s
